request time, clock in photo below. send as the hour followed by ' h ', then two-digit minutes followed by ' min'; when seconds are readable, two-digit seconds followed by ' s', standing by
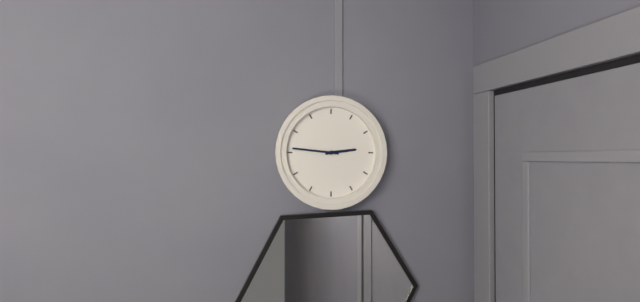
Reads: 2 h 46 min
